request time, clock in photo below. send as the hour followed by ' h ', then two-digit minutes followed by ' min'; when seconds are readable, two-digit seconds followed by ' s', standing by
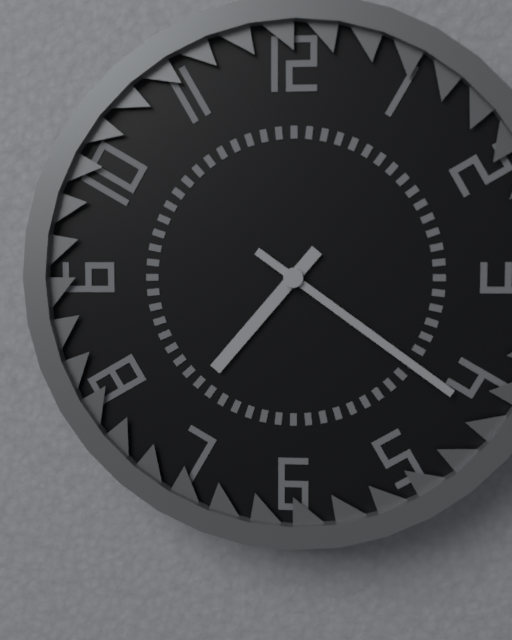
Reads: 7 h 21 min
